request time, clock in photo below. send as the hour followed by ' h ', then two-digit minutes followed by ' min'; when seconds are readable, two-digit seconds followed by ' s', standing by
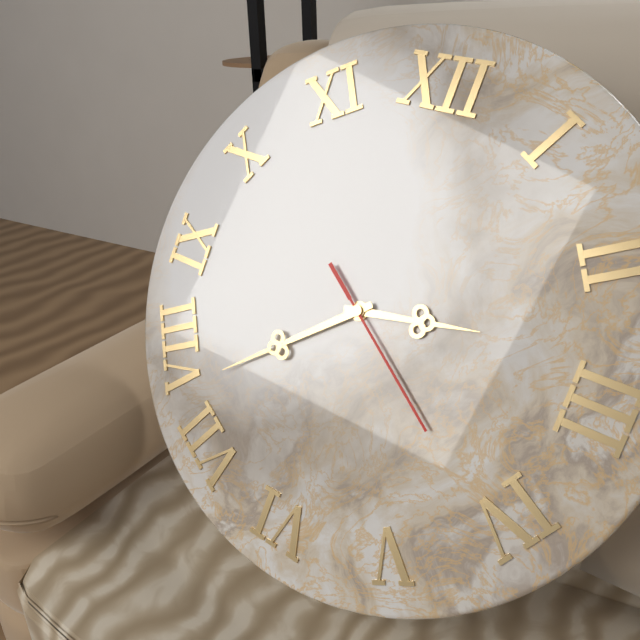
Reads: 2 h 38 min 21 s
